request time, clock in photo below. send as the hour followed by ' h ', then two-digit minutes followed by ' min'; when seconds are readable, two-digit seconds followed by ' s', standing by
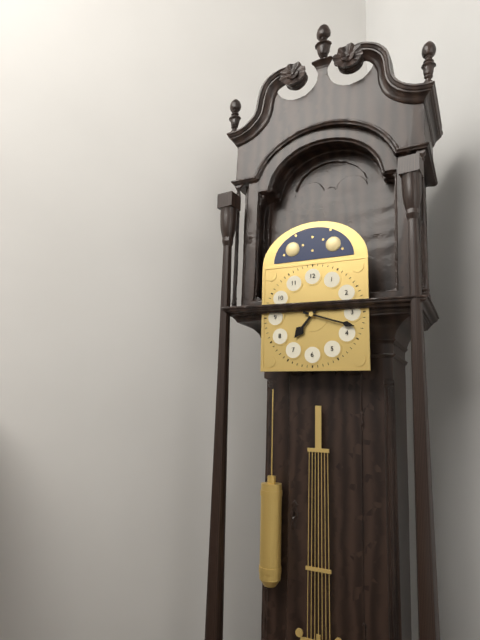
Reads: 7 h 18 min
